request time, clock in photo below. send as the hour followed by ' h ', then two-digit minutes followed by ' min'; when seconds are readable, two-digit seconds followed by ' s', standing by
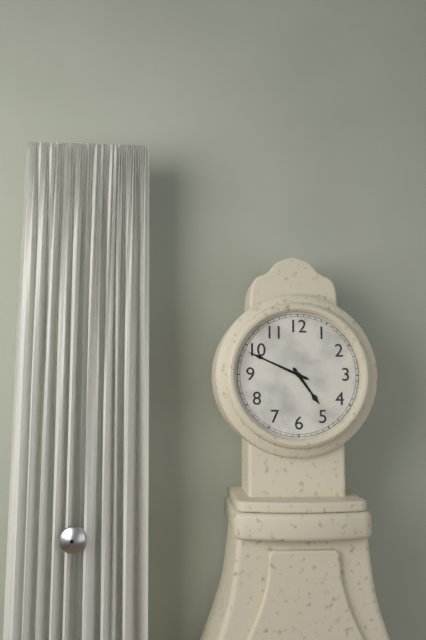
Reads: 4 h 49 min
